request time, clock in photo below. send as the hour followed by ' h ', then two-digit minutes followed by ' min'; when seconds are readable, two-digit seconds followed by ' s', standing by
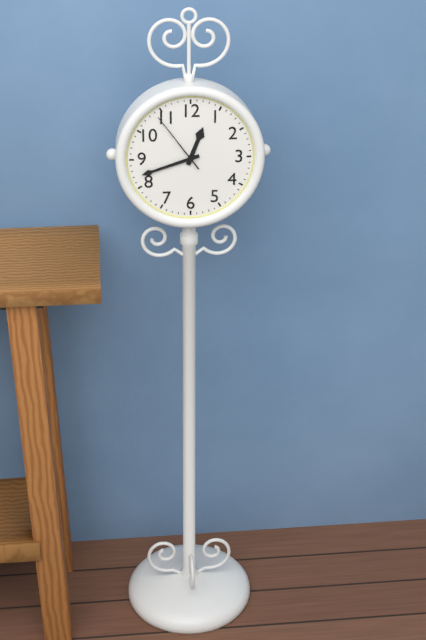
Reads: 12 h 42 min 54 s
